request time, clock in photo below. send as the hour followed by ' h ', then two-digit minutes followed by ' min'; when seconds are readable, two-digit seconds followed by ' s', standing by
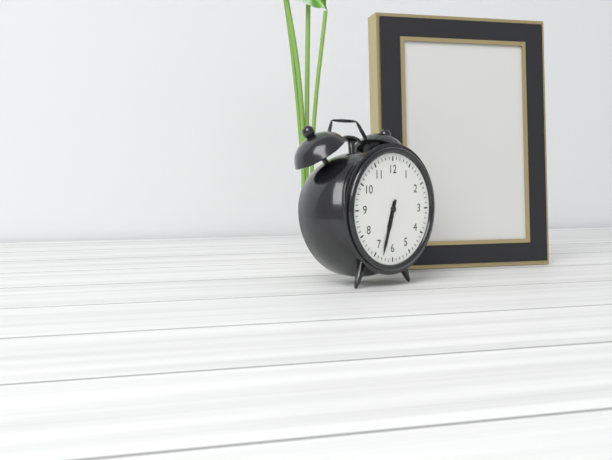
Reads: 6 h 33 min
